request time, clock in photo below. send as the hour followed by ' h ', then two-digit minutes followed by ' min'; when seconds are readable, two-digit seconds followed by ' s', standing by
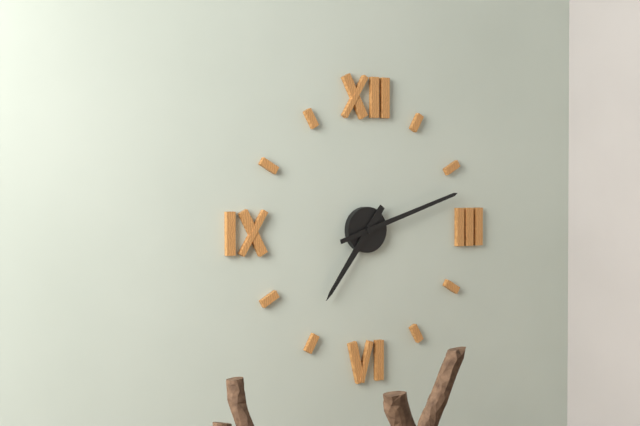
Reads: 7 h 12 min
